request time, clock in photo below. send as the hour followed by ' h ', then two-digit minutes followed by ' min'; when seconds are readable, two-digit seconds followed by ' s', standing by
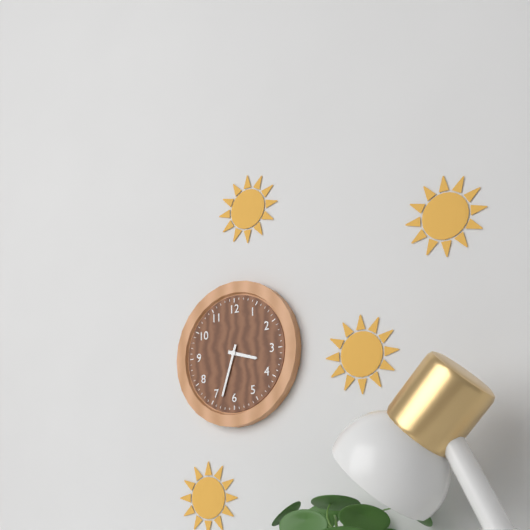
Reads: 3 h 33 min
